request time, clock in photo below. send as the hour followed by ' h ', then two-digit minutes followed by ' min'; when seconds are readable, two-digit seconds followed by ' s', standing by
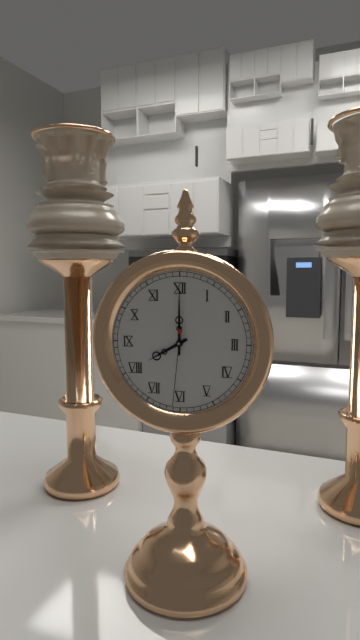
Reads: 8 h 00 min 31 s
